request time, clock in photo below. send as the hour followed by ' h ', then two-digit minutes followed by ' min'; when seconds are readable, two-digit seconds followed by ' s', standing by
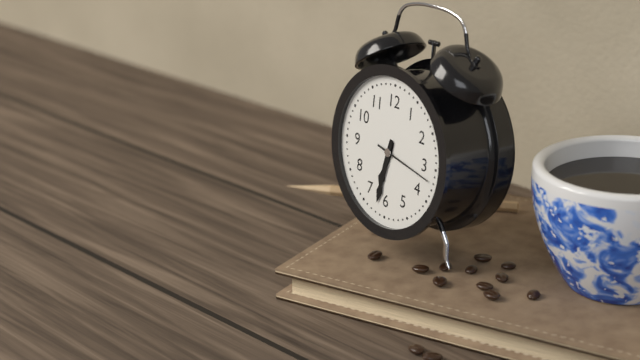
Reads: 6 h 32 min 17 s
